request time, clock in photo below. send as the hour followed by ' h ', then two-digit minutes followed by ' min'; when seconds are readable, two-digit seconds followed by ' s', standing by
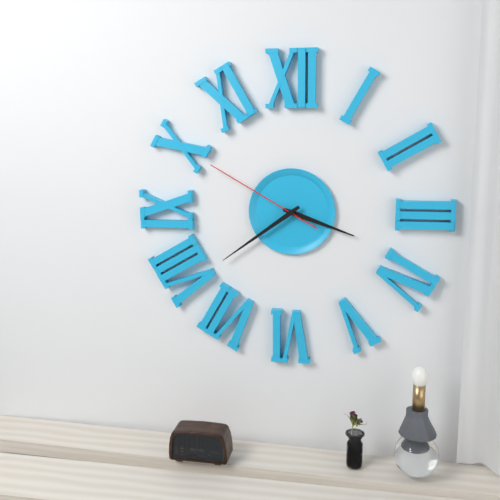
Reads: 3 h 39 min 50 s
